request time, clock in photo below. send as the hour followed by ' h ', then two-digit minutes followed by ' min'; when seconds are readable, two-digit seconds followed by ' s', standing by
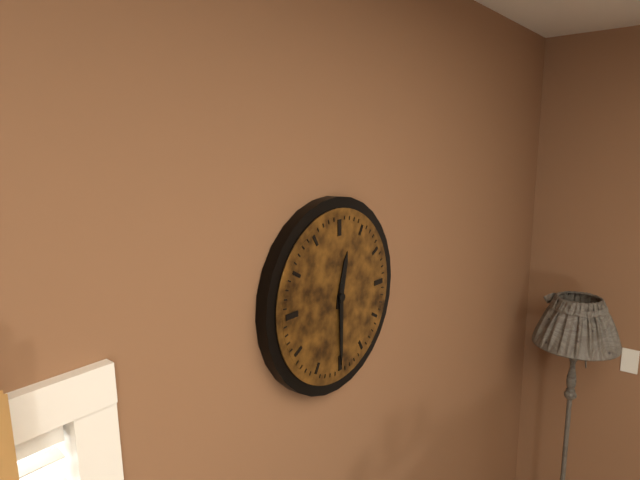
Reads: 12 h 30 min
